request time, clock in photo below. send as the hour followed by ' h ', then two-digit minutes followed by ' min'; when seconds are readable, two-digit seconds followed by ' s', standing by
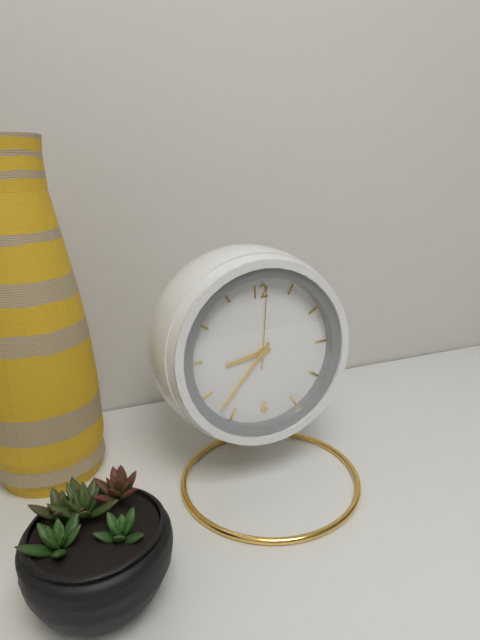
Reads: 8 h 37 min 01 s
